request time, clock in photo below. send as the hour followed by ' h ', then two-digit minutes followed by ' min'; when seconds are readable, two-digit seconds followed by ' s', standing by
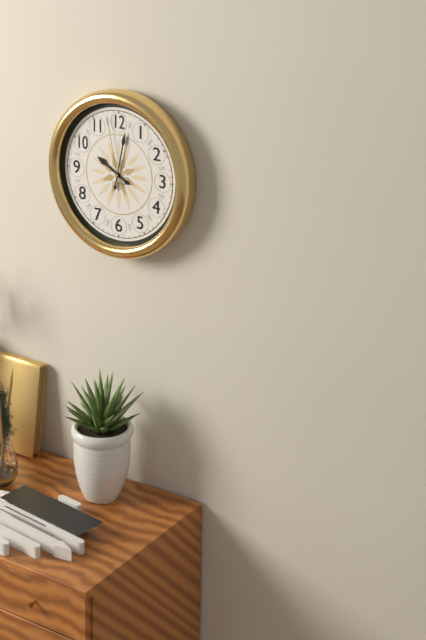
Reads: 10 h 02 min 58 s
